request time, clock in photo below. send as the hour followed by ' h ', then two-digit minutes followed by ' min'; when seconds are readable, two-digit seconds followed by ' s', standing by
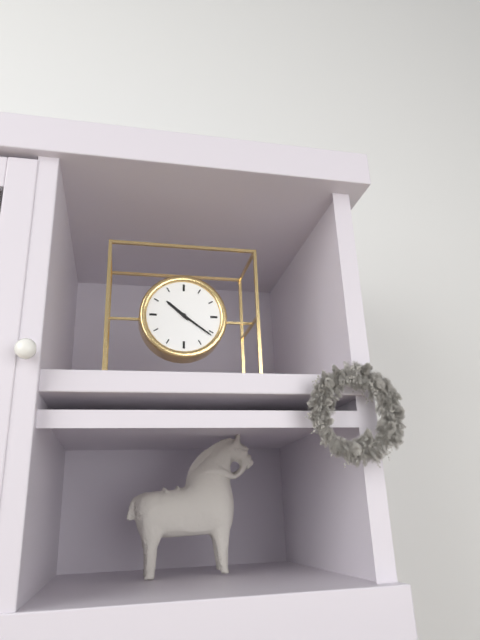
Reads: 10 h 21 min
